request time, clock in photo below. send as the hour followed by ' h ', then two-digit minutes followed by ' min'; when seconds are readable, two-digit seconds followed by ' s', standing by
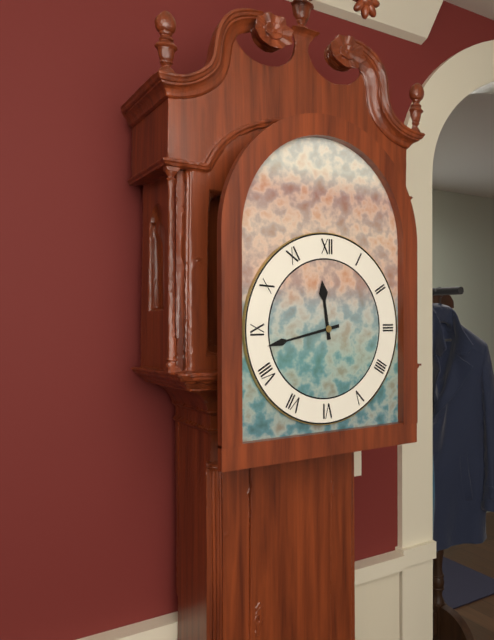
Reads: 11 h 43 min
